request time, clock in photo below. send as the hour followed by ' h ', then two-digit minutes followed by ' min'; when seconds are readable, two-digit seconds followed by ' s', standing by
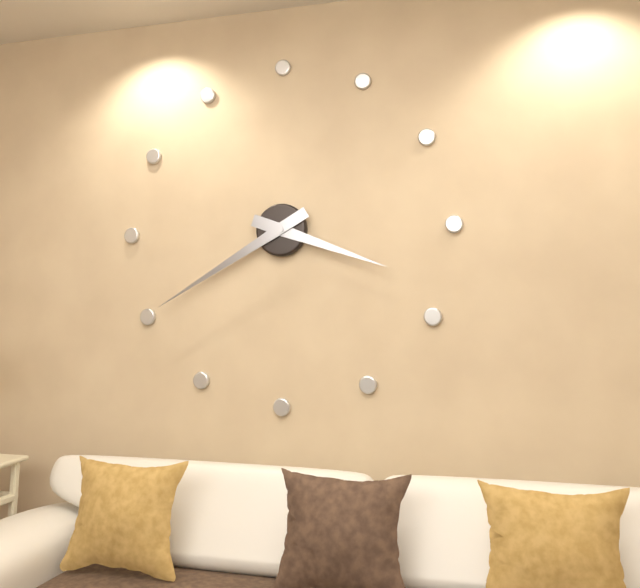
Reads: 3 h 40 min
